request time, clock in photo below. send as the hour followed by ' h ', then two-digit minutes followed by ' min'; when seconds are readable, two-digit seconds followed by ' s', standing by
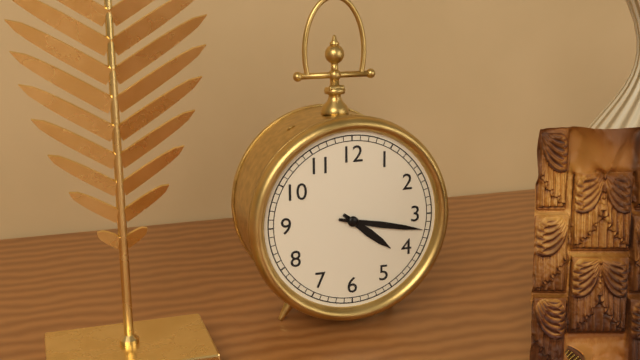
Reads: 4 h 17 min
